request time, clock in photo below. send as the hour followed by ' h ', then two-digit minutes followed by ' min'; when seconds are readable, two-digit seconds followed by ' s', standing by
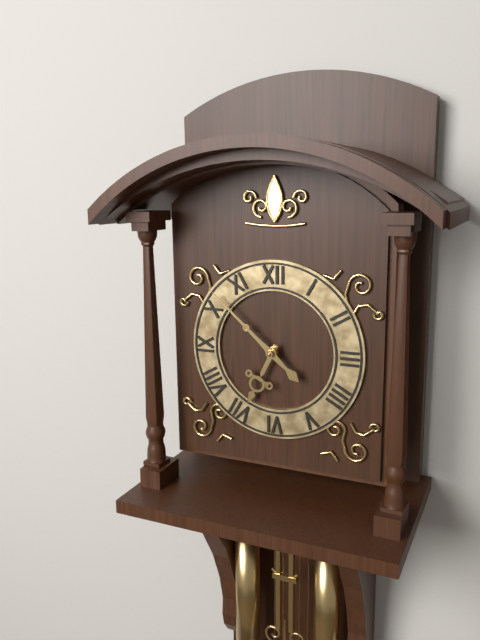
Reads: 6 h 52 min
